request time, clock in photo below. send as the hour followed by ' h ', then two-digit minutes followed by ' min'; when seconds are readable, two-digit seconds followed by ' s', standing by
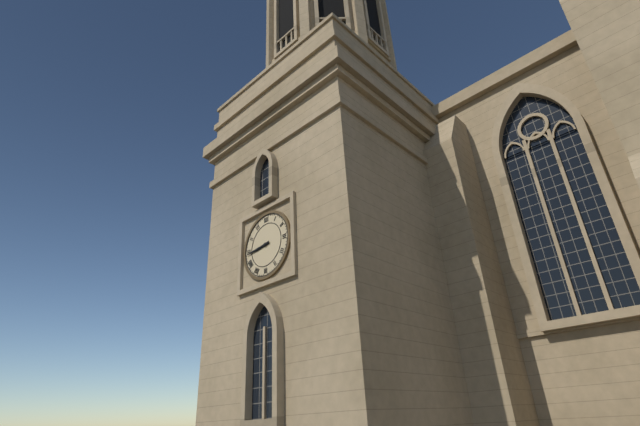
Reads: 8 h 44 min
